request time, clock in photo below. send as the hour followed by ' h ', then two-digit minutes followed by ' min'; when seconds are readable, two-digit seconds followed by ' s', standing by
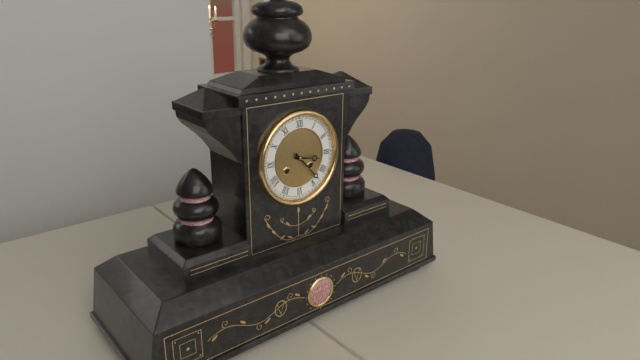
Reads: 3 h 23 min
